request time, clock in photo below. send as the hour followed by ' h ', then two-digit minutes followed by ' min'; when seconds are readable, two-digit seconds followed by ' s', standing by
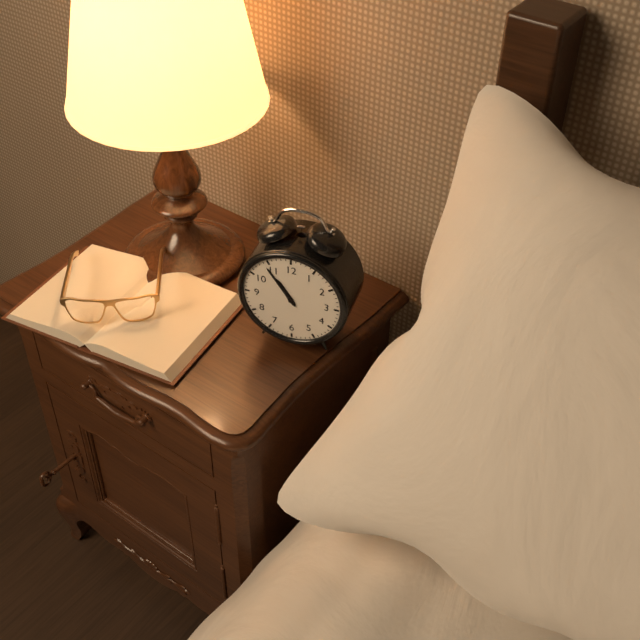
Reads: 10 h 54 min
